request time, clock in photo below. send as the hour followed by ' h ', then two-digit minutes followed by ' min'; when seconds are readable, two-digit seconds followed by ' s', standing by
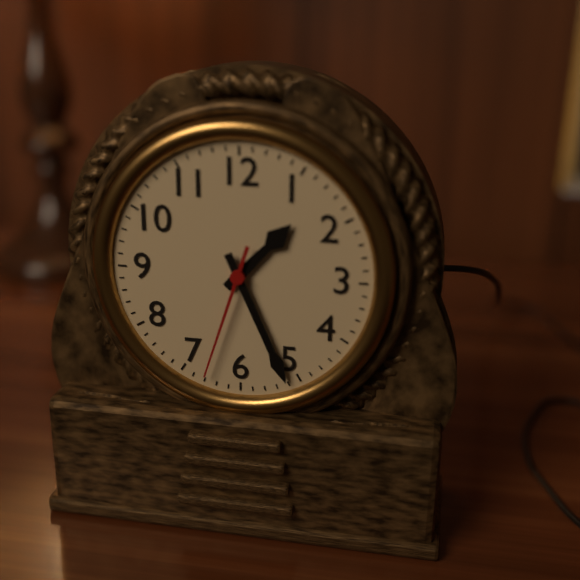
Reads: 1 h 26 min 33 s
